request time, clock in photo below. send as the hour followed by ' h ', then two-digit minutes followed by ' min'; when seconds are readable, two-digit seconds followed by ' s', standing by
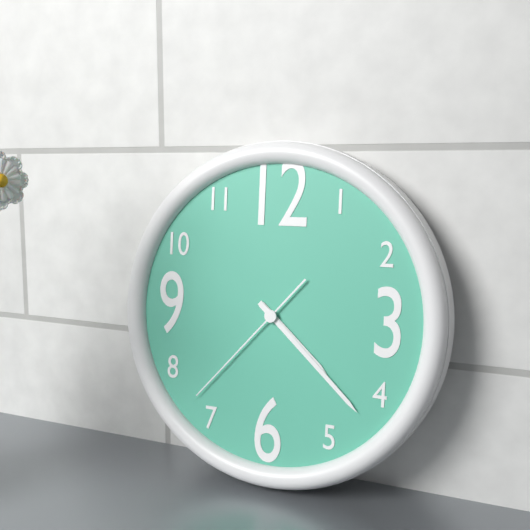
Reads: 4 h 22 min 37 s
